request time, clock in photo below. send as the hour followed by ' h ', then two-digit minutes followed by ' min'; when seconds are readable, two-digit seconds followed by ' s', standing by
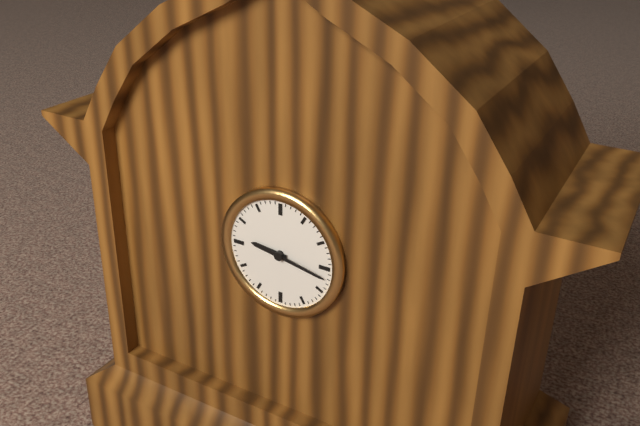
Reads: 9 h 17 min
